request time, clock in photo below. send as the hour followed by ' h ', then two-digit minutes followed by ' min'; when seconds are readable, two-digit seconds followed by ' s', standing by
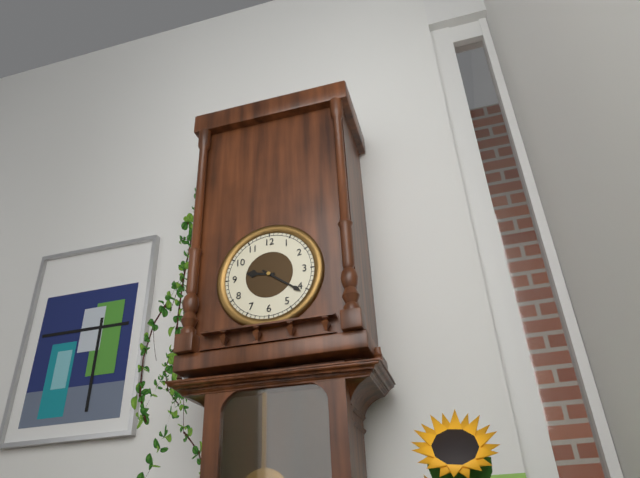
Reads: 9 h 21 min
